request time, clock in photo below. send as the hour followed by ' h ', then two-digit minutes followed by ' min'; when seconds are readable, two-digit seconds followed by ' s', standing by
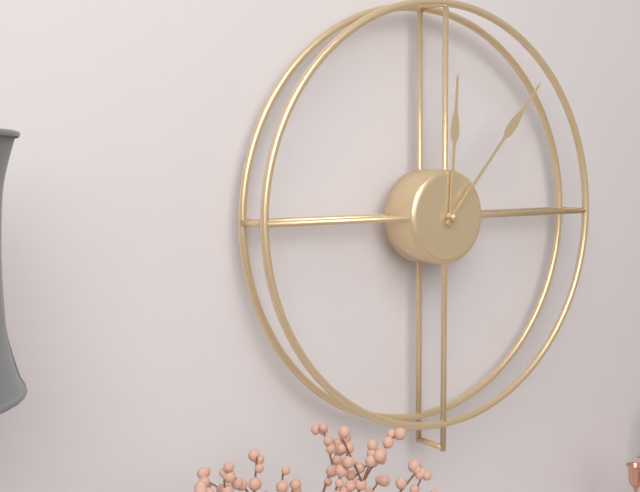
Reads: 12 h 07 min
